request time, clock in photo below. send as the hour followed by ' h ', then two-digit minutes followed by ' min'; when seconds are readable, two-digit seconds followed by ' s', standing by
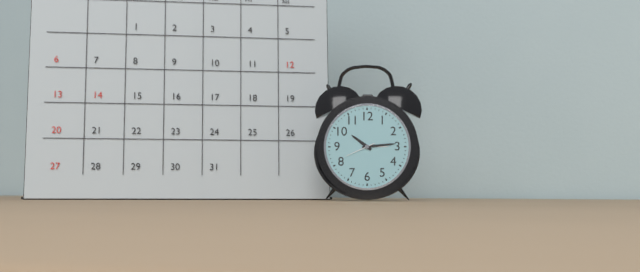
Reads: 10 h 14 min
